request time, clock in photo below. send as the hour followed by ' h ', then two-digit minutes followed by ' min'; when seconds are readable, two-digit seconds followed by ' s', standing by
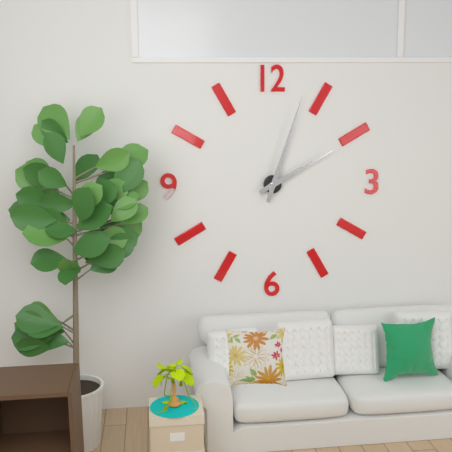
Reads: 2 h 03 min
